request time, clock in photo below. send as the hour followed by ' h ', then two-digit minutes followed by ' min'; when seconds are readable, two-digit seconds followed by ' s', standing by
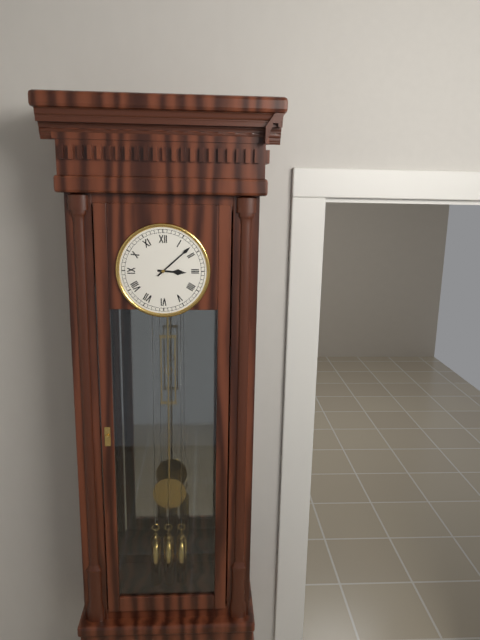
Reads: 3 h 08 min
